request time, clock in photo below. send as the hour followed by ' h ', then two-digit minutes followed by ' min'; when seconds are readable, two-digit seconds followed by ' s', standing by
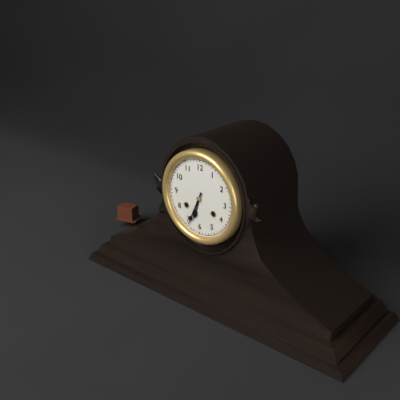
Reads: 6 h 34 min
